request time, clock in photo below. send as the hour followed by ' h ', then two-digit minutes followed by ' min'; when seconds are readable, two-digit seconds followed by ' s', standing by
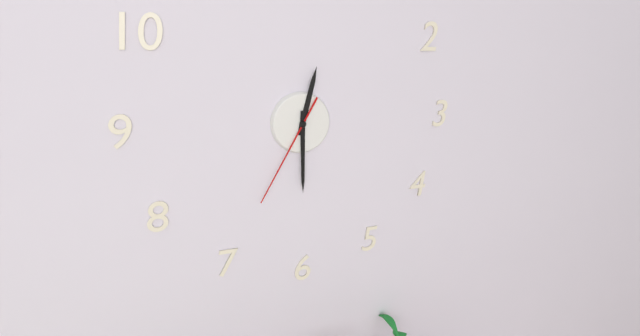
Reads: 12 h 30 min 35 s
